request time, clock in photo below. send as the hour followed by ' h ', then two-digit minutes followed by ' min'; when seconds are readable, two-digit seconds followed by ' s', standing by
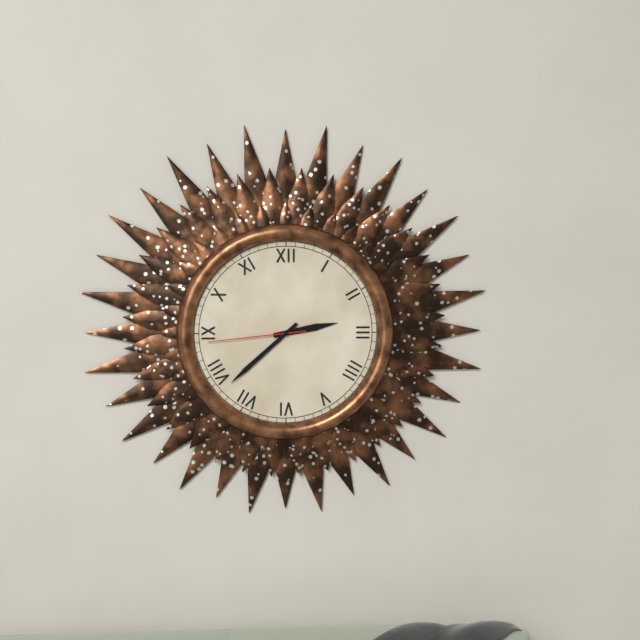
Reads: 2 h 38 min 44 s
